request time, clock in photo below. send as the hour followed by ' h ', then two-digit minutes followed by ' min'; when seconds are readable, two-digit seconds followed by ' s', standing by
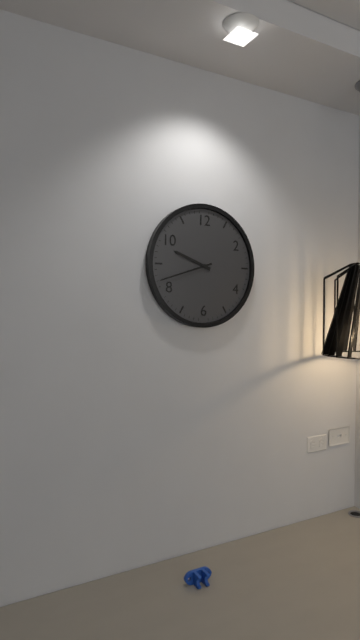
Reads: 9 h 42 min
